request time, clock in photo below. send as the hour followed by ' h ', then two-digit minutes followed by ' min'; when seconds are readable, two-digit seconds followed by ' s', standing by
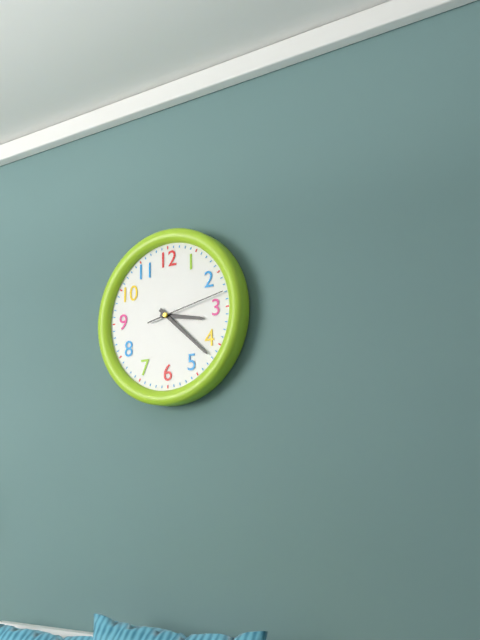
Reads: 3 h 22 min 13 s
